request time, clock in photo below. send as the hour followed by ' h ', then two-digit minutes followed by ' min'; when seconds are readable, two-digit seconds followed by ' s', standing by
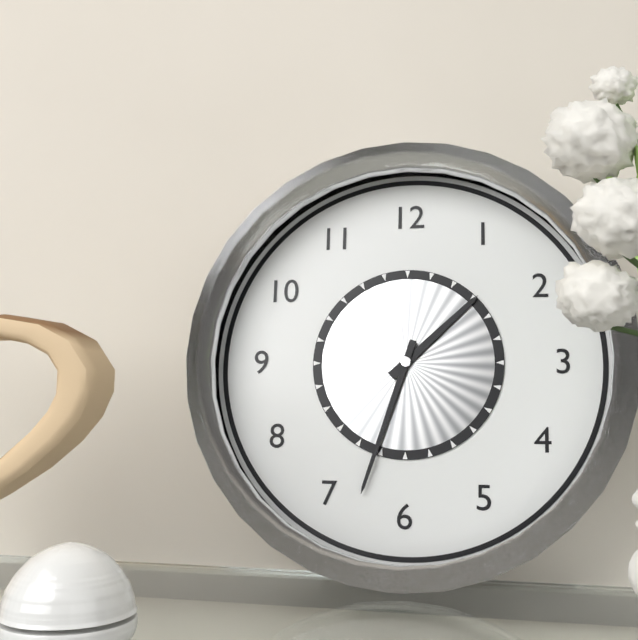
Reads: 1 h 33 min
